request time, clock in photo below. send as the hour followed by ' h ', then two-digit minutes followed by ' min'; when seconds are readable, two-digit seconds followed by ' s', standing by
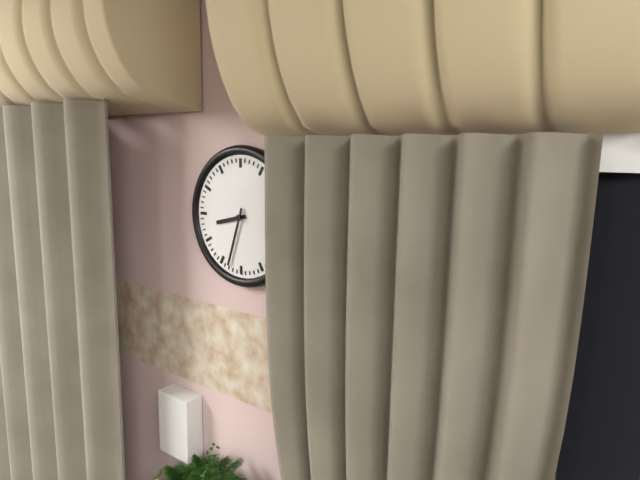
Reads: 8 h 33 min
